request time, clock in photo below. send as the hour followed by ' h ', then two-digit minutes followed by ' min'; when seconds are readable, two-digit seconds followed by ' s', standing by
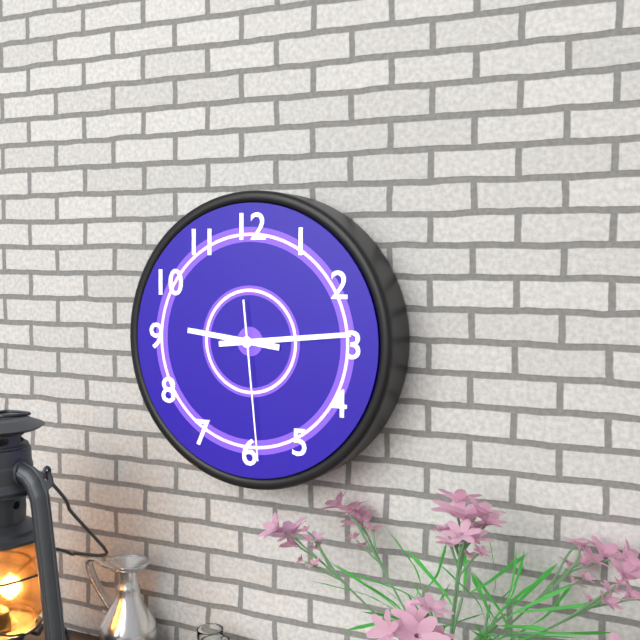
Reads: 9 h 14 min 29 s
